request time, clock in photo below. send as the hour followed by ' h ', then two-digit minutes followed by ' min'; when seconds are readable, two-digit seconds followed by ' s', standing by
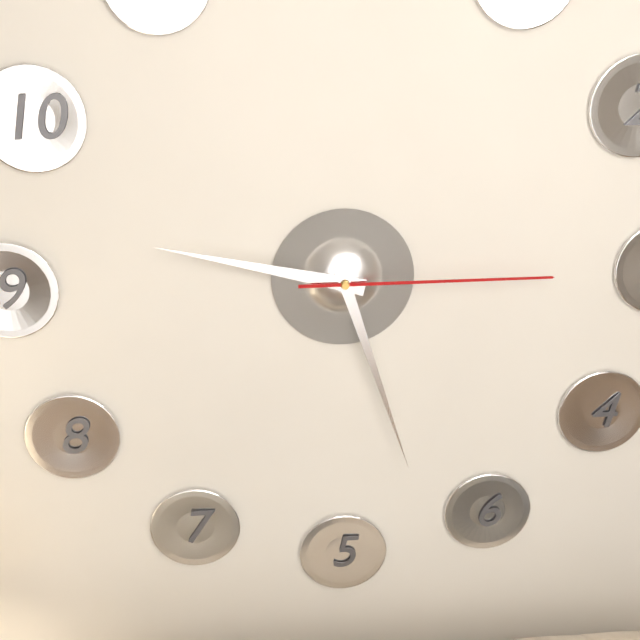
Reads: 9 h 27 min 15 s
